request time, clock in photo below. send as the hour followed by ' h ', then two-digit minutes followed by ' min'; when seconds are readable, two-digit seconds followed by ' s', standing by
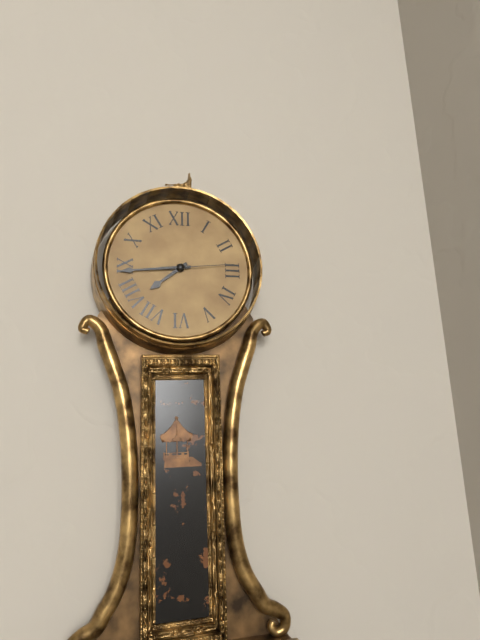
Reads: 7 h 44 min 14 s
